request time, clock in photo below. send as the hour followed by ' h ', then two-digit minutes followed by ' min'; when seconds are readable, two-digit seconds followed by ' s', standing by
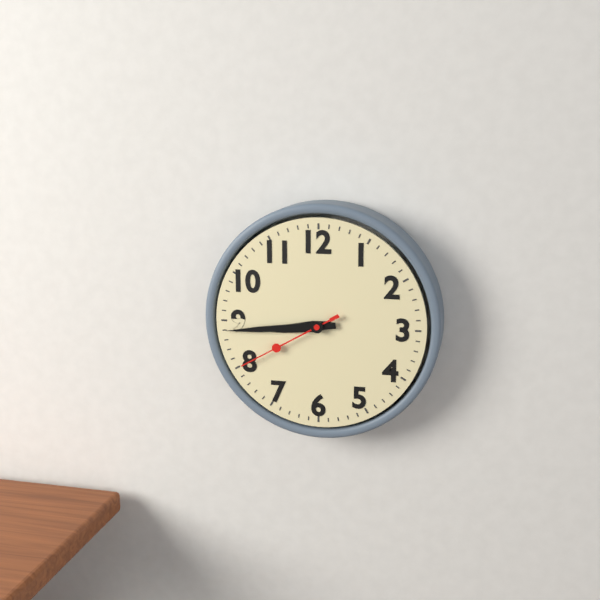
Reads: 8 h 44 min 40 s
